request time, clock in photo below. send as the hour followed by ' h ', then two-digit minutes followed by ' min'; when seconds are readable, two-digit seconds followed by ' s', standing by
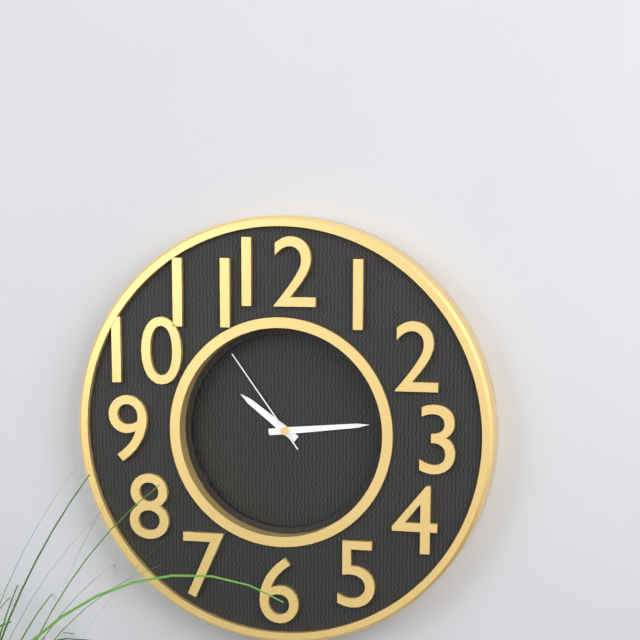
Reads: 10 h 14 min 54 s
